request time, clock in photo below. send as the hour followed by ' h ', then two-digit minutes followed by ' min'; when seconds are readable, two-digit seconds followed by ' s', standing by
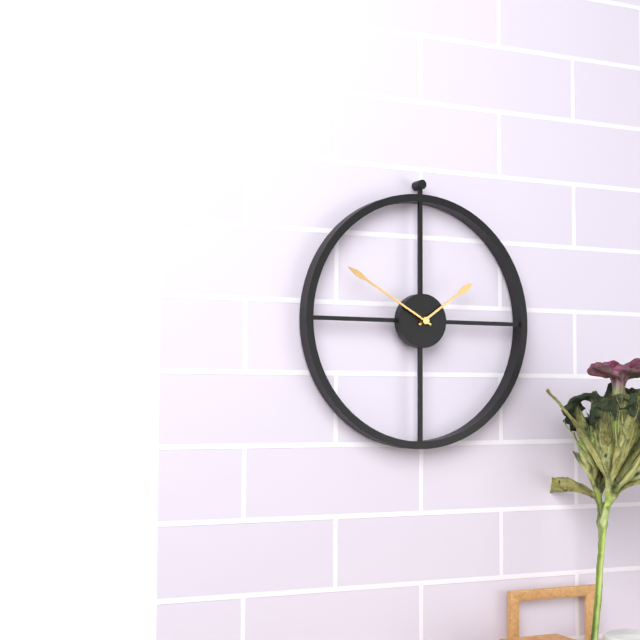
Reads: 1 h 50 min
